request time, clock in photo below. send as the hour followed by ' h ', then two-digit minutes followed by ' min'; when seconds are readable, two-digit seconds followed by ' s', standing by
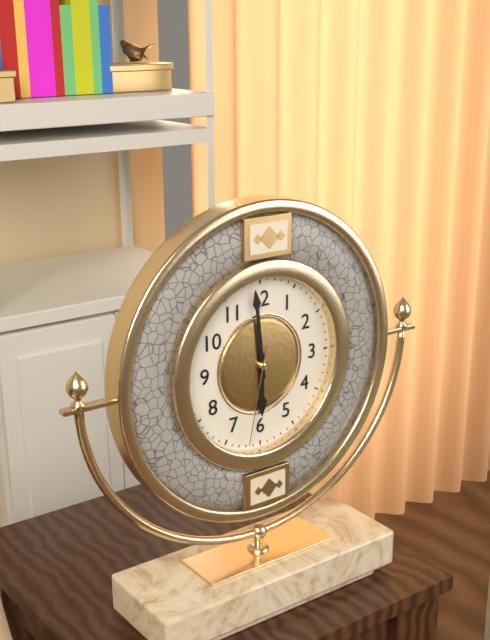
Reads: 5 h 59 min 32 s
